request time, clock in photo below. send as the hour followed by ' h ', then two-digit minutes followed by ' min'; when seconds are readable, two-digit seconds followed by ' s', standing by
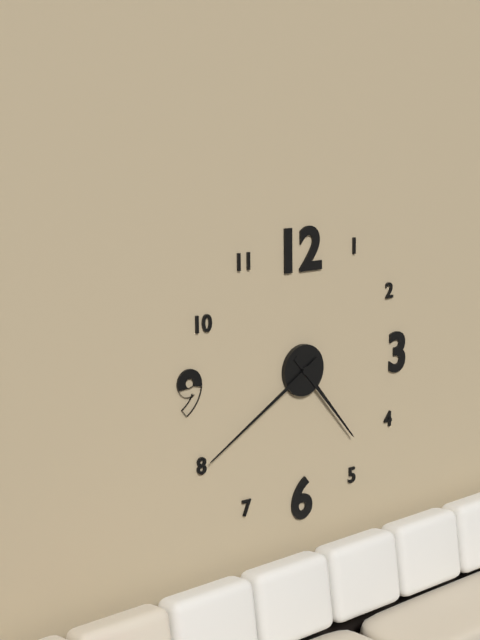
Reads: 4 h 40 min
